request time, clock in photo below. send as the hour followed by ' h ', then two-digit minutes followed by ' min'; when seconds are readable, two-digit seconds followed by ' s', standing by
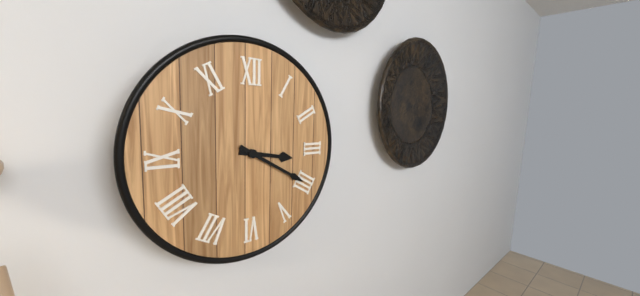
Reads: 3 h 20 min
